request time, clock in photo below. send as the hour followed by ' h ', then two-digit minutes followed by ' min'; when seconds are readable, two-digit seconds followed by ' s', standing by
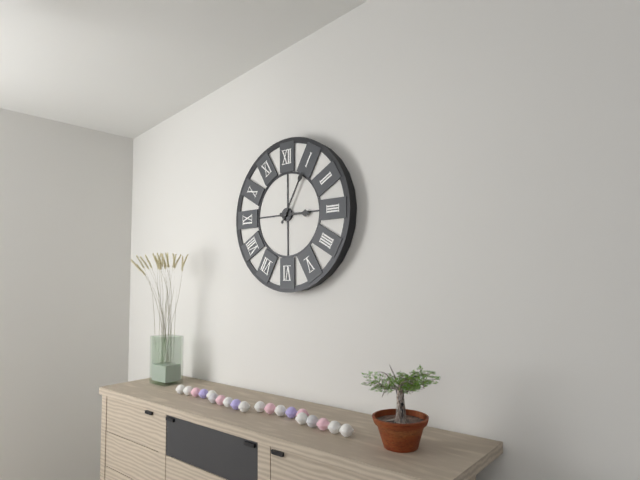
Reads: 3 h 05 min
